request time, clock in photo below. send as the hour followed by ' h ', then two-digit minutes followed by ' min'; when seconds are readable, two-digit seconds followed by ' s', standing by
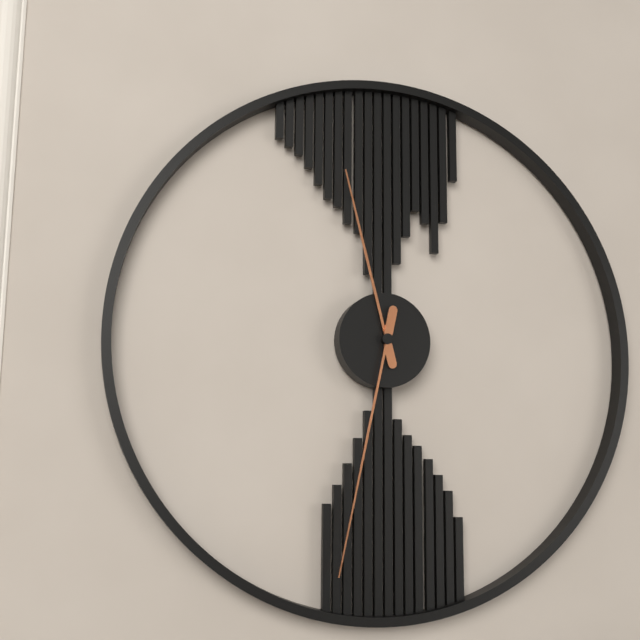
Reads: 11 h 32 min
